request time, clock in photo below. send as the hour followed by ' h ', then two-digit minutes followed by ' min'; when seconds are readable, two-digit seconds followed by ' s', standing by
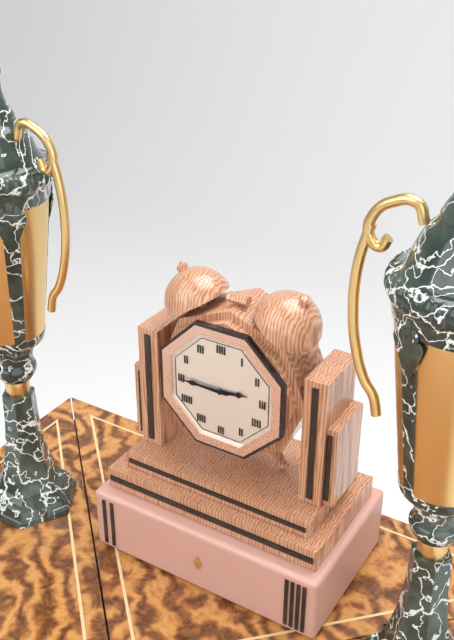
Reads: 2 h 45 min
